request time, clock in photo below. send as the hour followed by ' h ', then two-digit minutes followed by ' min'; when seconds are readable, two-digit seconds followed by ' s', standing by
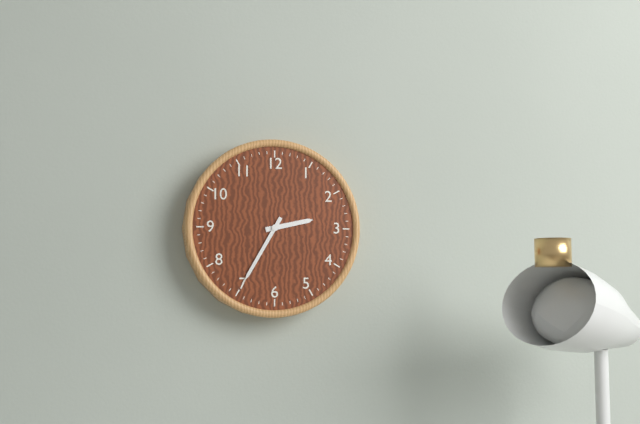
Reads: 2 h 35 min
